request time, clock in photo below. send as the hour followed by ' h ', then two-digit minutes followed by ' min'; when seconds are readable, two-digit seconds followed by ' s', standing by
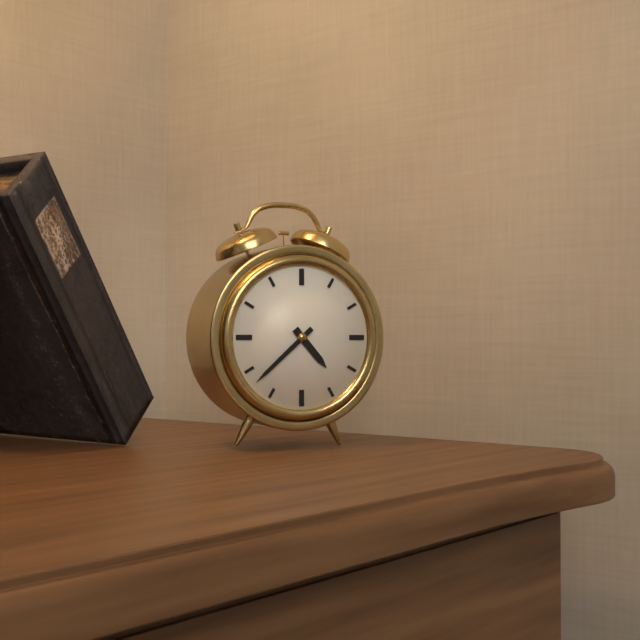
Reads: 4 h 38 min
